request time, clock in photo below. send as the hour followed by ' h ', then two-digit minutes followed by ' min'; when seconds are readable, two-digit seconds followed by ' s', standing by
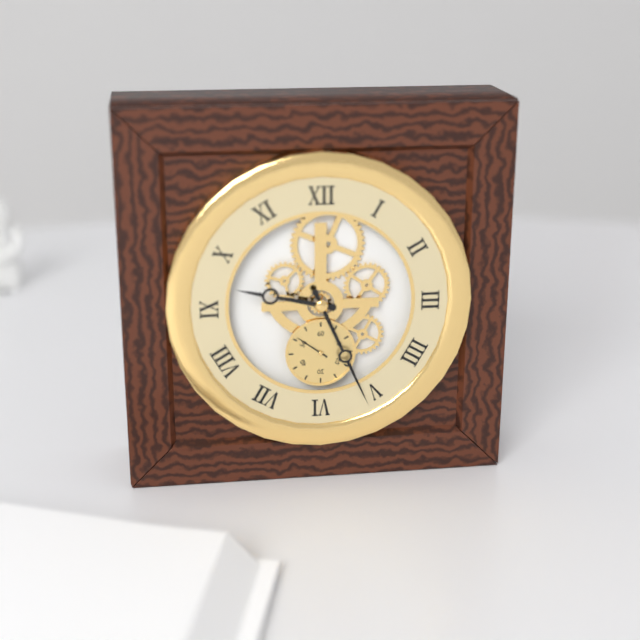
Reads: 9 h 26 min
